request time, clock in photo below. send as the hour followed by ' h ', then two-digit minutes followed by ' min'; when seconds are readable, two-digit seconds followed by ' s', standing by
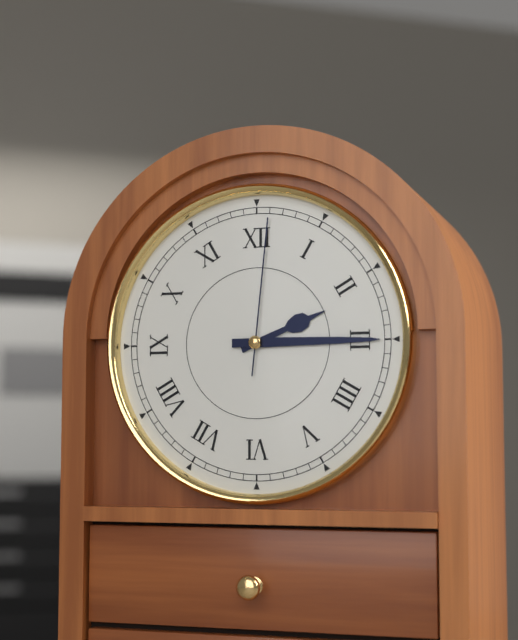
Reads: 2 h 15 min 01 s
